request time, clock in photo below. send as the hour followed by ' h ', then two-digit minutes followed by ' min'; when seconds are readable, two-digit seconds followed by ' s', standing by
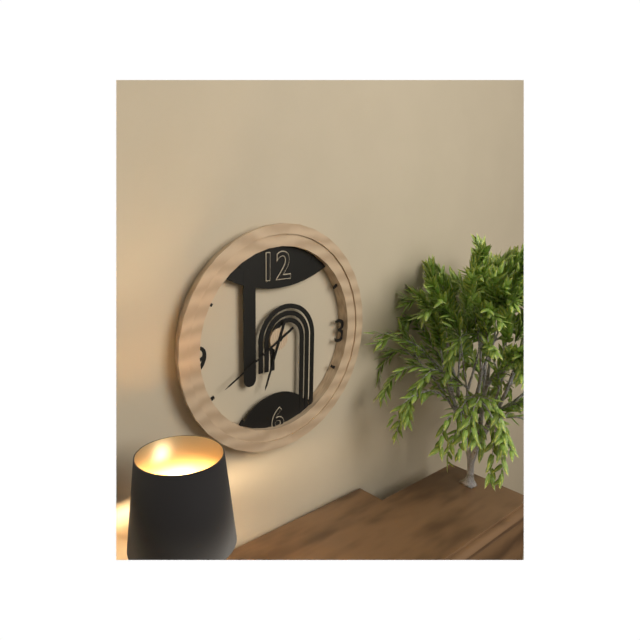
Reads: 6 h 40 min
